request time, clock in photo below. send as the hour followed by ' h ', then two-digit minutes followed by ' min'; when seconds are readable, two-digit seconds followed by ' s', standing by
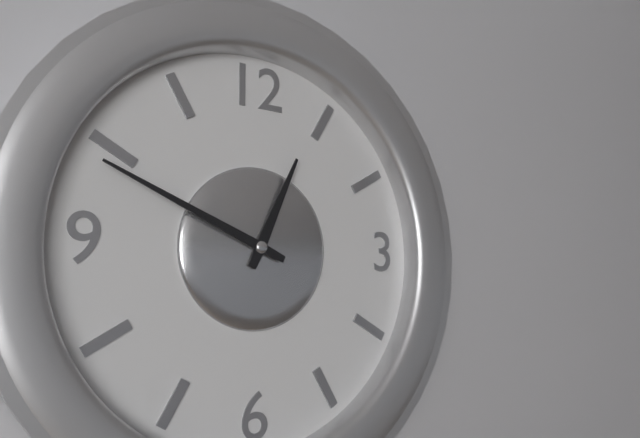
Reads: 12 h 49 min
